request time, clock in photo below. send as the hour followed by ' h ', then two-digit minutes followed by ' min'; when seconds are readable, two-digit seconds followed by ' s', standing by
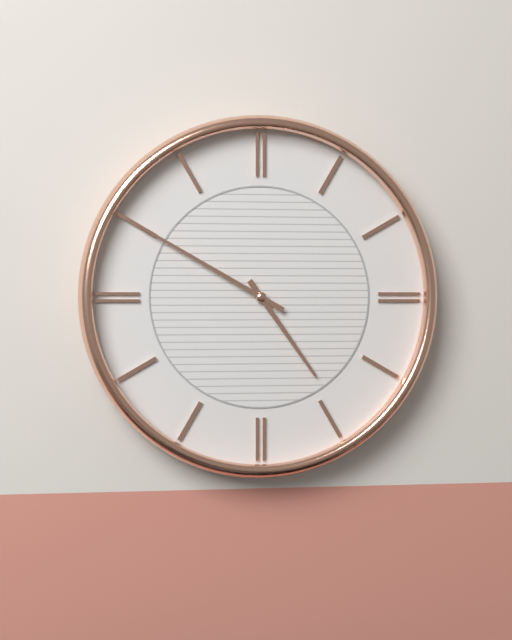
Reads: 4 h 50 min
